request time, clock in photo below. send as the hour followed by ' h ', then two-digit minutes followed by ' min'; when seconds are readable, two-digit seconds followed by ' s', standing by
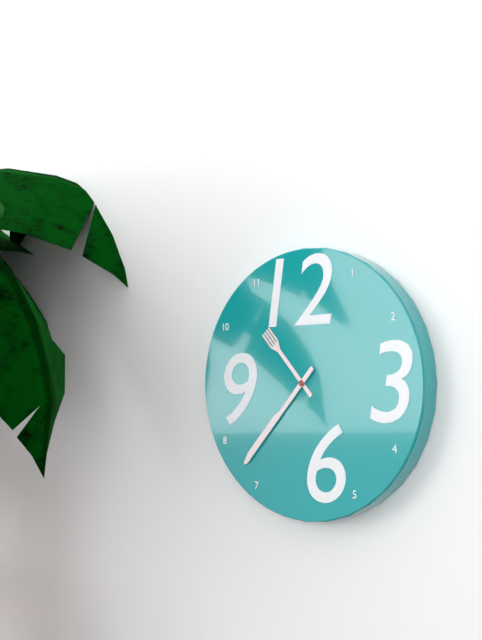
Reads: 10 h 37 min
